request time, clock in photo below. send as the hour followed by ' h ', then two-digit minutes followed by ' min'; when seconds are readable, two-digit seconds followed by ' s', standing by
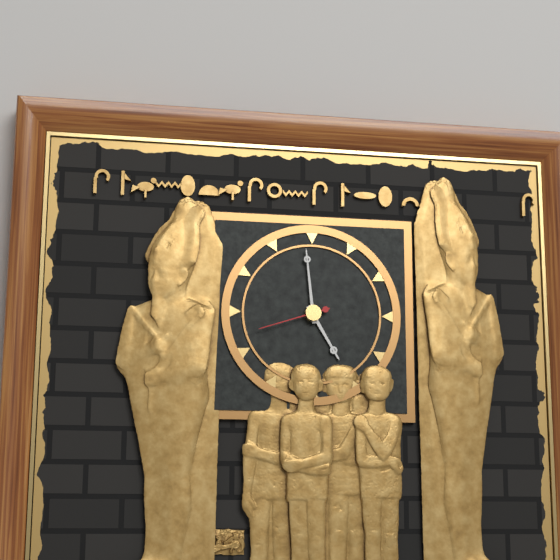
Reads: 4 h 59 min 42 s
